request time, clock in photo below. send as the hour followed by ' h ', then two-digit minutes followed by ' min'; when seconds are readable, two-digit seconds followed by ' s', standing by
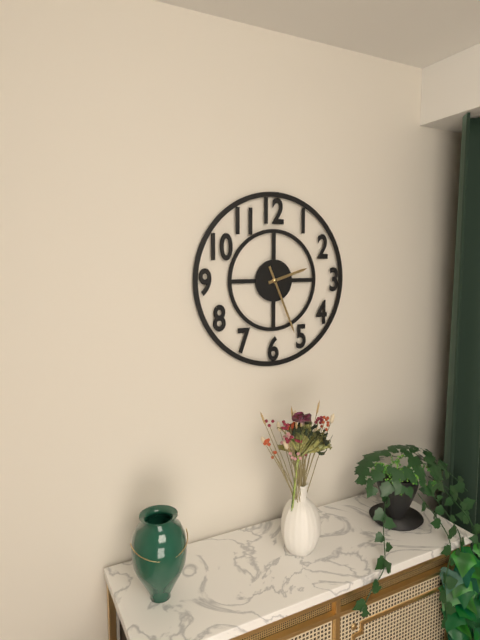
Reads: 2 h 26 min
